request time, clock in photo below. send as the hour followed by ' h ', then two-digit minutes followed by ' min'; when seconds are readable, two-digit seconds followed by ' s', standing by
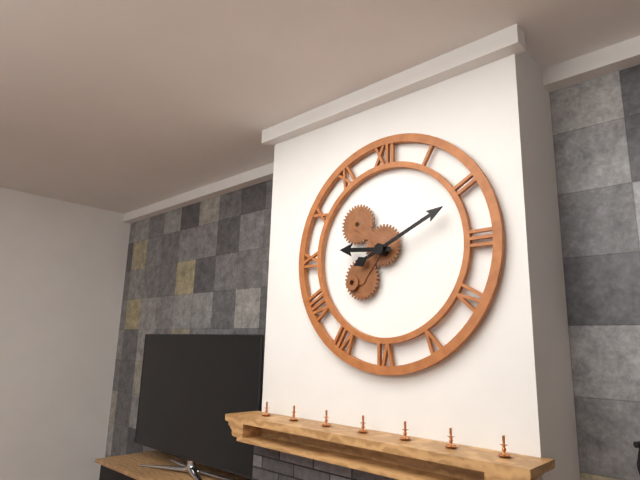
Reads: 9 h 11 min
